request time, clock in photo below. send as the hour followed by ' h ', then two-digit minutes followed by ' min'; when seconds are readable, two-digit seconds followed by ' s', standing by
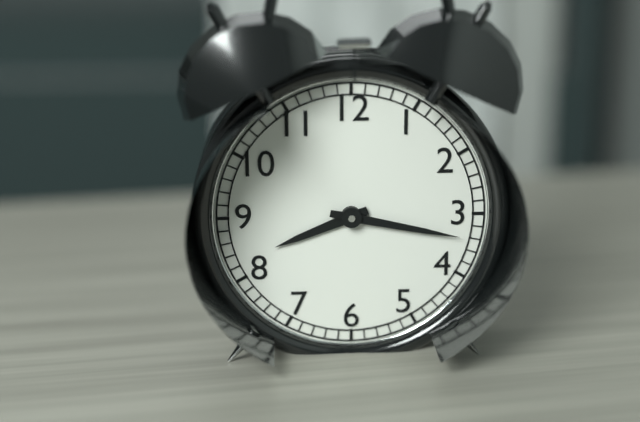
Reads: 8 h 17 min
